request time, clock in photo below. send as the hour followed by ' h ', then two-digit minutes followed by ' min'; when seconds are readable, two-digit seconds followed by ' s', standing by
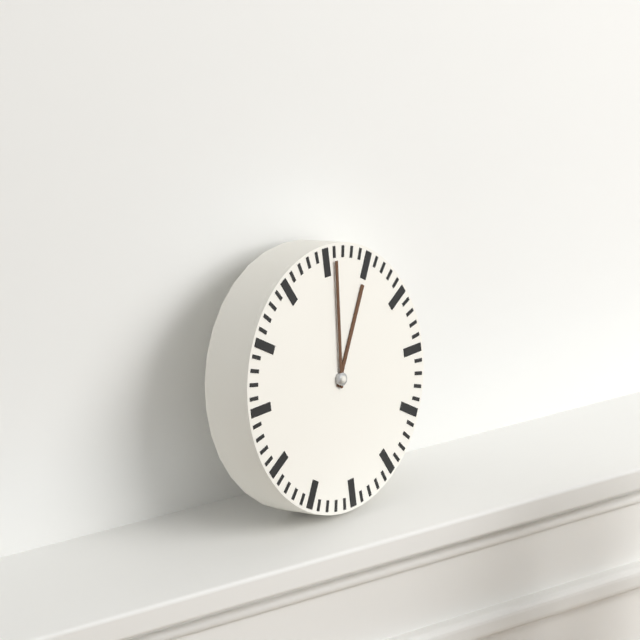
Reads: 1 h 01 min
